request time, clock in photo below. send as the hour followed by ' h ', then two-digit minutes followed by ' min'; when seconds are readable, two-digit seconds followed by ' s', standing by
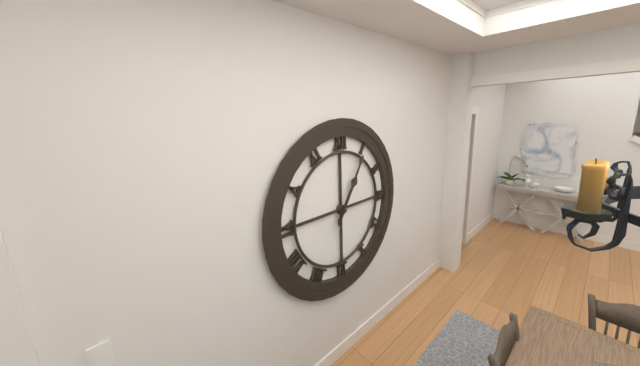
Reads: 1 h 05 min
